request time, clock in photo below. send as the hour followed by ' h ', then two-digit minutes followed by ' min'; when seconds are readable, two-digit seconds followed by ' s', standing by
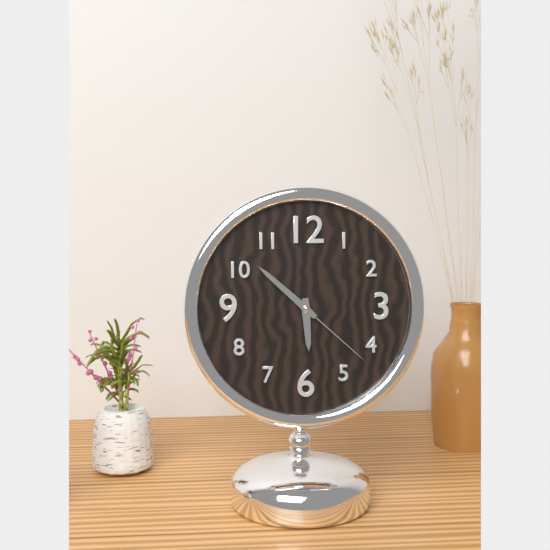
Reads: 5 h 52 min 22 s
